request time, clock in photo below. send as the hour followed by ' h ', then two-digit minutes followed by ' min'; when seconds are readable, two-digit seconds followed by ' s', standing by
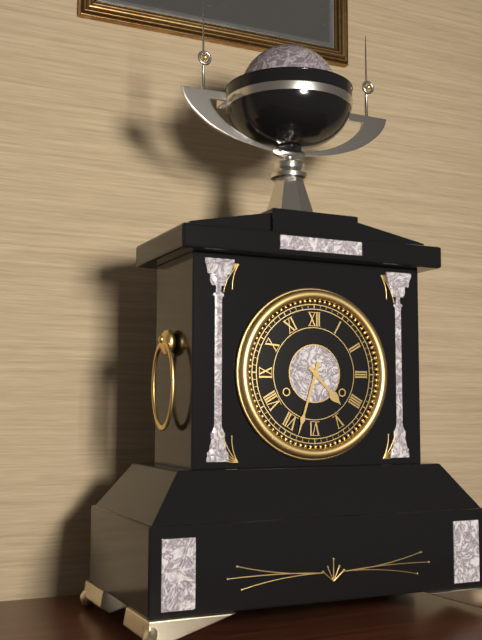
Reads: 4 h 33 min
